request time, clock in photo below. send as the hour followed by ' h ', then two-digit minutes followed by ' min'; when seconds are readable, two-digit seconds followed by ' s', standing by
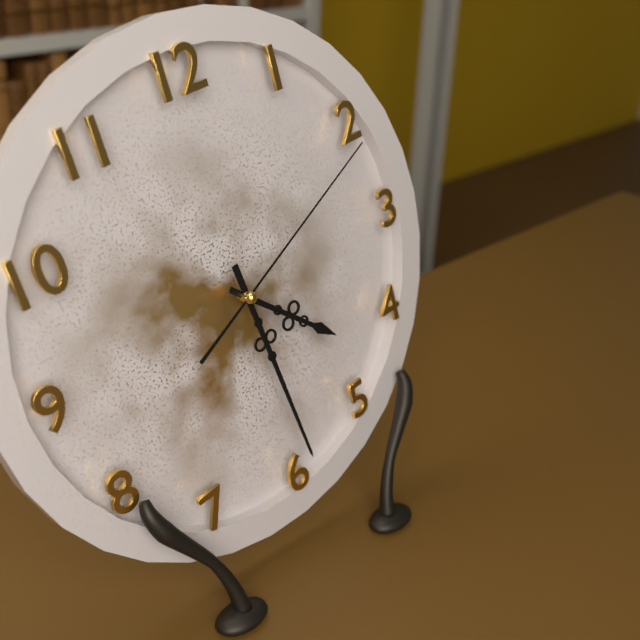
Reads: 4 h 29 min 11 s
